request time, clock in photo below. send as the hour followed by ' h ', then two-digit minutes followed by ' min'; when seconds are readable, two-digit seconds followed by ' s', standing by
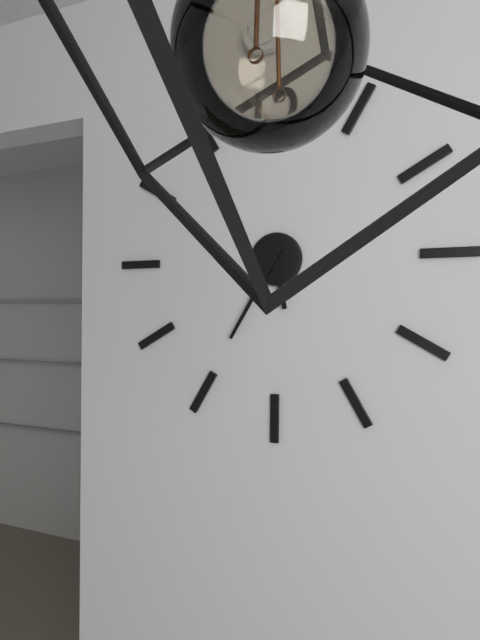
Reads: 5 h 35 min
